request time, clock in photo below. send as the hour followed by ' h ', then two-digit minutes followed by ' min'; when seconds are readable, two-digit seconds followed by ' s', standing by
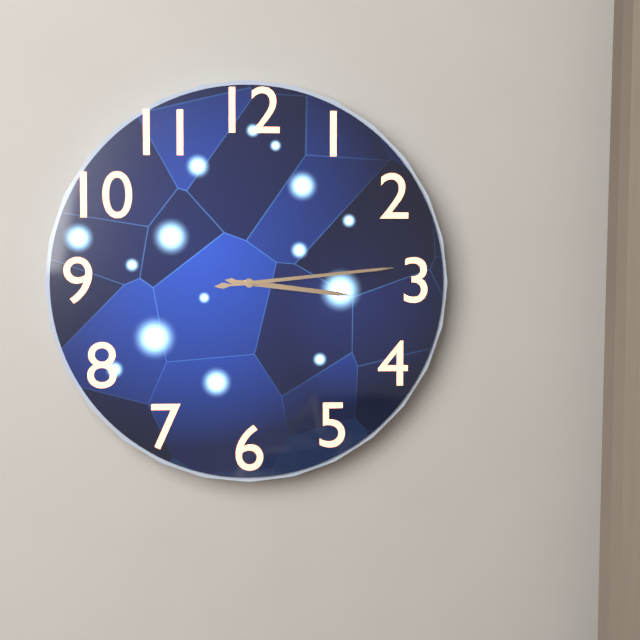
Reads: 3 h 14 min
